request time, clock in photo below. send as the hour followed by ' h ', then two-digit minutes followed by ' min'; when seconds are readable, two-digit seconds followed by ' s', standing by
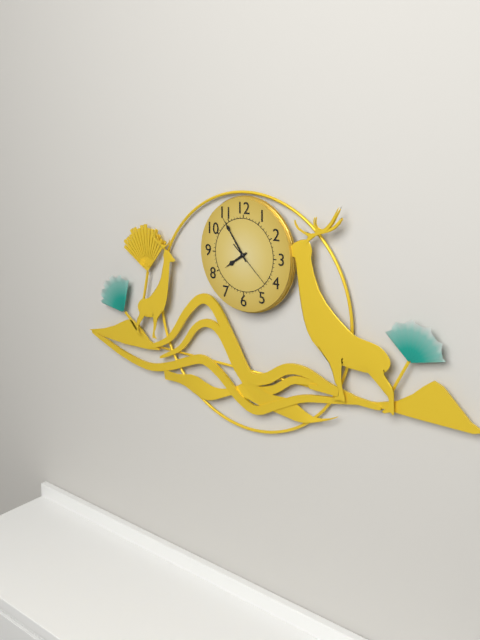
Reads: 7 h 54 min
